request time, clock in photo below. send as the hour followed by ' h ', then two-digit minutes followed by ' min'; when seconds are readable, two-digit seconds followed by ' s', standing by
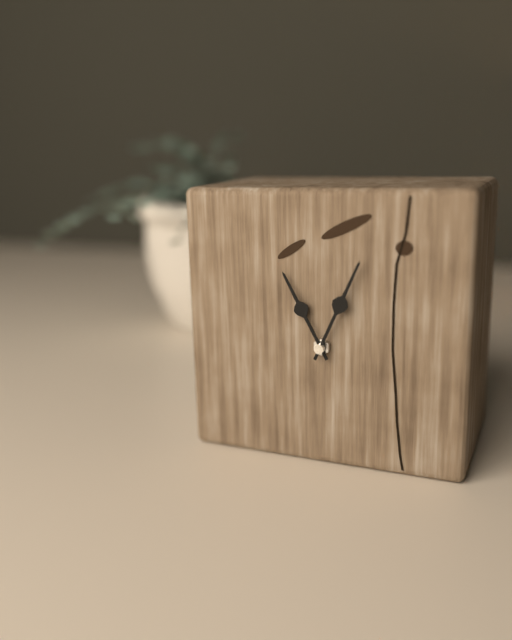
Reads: 11 h 04 min
